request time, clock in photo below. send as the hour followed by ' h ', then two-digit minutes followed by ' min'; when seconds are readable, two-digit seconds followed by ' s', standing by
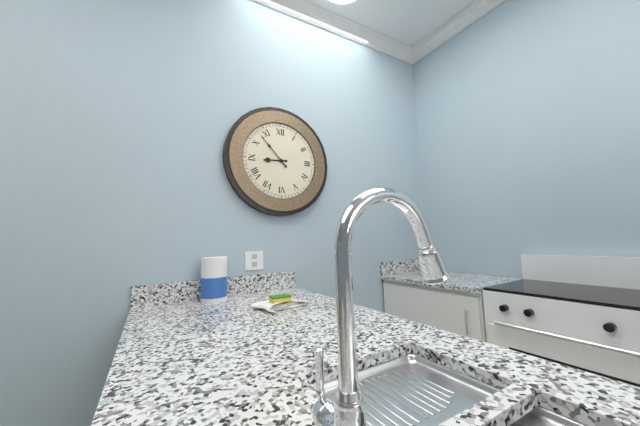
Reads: 8 h 53 min
